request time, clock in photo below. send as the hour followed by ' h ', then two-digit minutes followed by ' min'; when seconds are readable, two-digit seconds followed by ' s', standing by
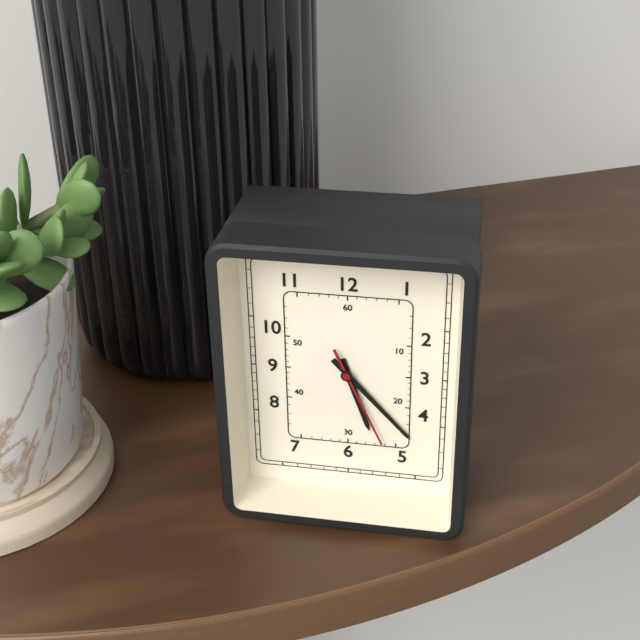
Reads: 5 h 23 min 26 s
